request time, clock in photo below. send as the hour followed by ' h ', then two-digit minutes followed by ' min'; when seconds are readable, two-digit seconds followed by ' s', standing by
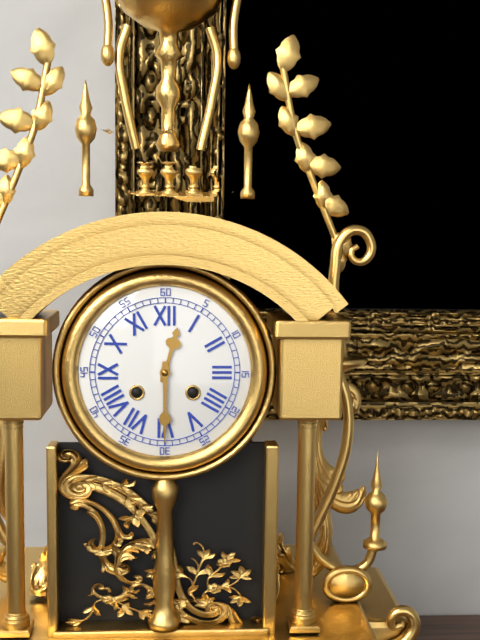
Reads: 12 h 30 min
